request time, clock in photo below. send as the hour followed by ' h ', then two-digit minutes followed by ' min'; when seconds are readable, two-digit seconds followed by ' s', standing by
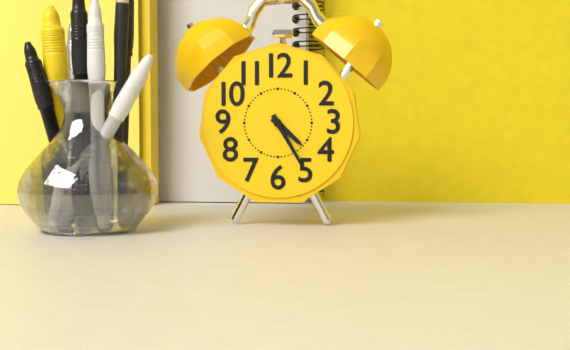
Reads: 4 h 25 min
